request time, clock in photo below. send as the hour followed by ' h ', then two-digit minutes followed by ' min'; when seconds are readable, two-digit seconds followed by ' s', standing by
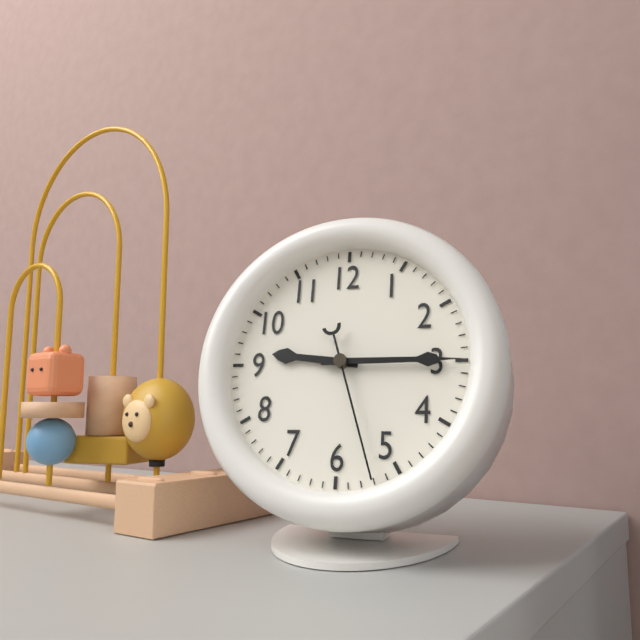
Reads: 9 h 15 min 27 s
